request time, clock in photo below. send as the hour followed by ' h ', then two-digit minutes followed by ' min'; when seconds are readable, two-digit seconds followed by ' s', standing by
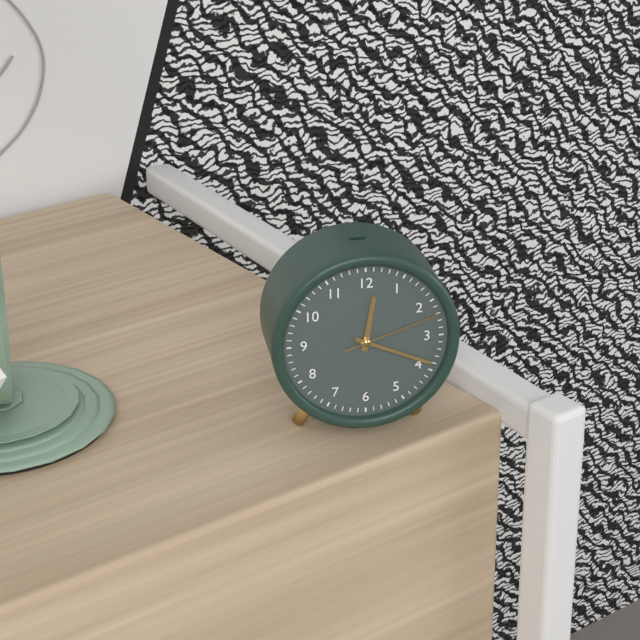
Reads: 12 h 19 min 12 s
